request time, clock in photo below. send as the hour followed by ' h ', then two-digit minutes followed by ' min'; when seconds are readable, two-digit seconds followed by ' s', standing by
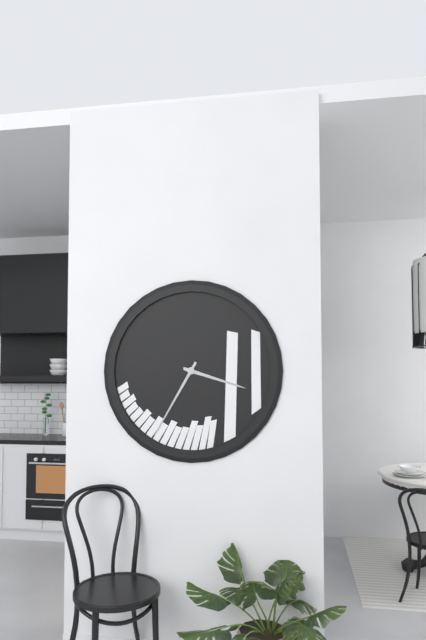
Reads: 3 h 35 min
